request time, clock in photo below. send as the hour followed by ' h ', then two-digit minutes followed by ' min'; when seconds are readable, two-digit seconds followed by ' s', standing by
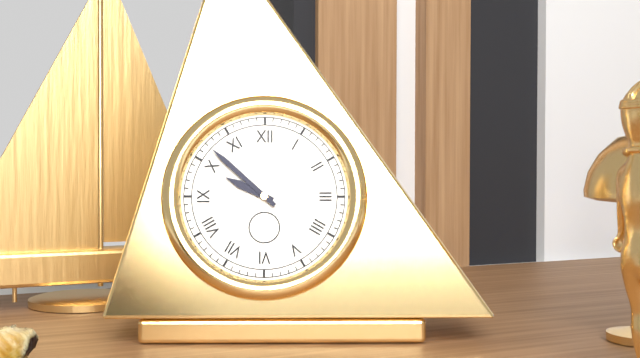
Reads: 9 h 52 min
